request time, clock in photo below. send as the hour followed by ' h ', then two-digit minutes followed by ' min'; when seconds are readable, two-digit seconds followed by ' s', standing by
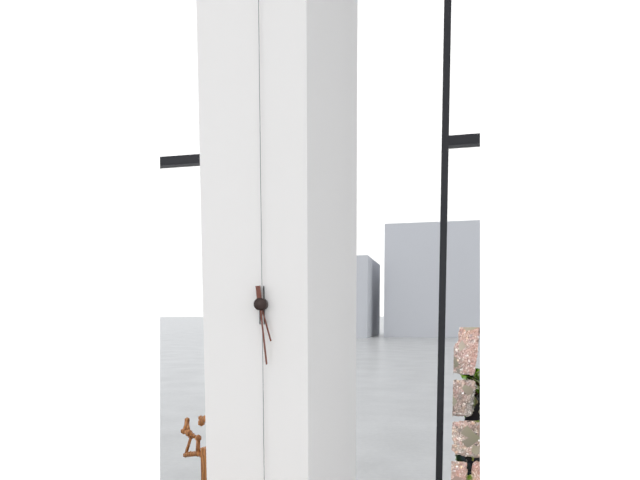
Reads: 5 h 29 min
